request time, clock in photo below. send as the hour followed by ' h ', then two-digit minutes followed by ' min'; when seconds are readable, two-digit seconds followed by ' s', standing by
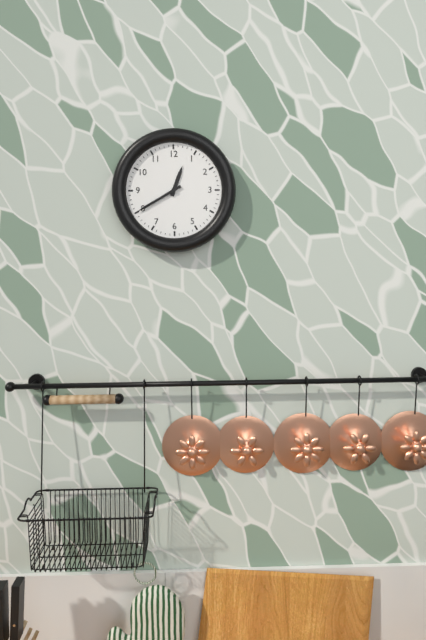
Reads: 12 h 40 min
